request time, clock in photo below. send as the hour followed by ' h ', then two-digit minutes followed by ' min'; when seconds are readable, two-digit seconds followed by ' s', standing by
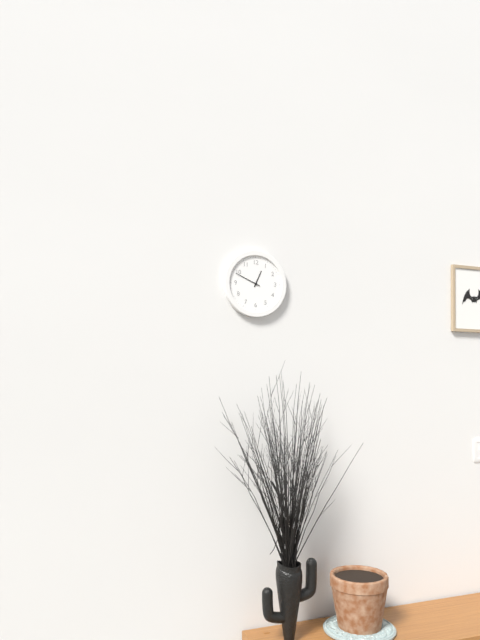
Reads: 12 h 49 min
